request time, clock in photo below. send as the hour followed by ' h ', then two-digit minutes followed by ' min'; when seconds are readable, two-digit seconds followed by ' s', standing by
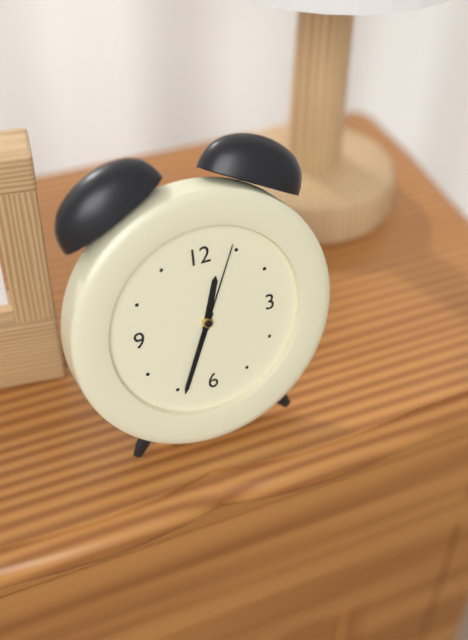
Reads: 12 h 34 min 04 s
